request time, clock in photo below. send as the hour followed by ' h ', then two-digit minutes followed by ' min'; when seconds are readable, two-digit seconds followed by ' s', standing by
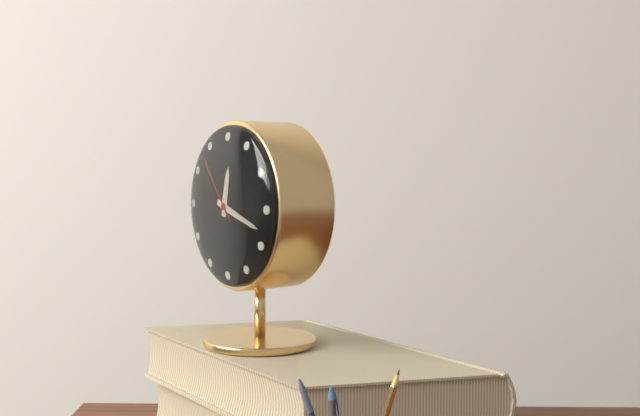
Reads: 12 h 18 min 53 s
